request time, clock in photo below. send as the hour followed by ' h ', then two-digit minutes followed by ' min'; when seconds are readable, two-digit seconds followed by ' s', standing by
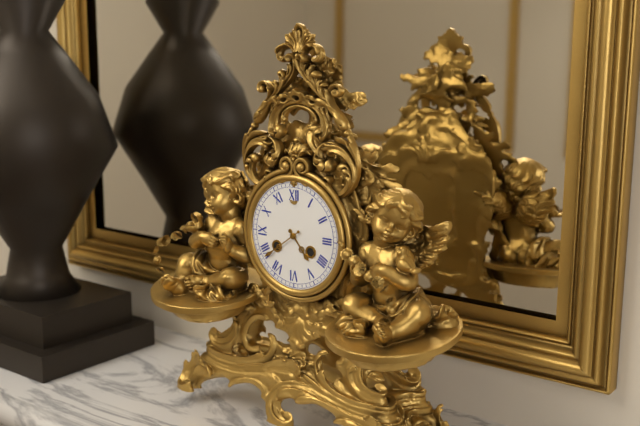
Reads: 4 h 39 min
